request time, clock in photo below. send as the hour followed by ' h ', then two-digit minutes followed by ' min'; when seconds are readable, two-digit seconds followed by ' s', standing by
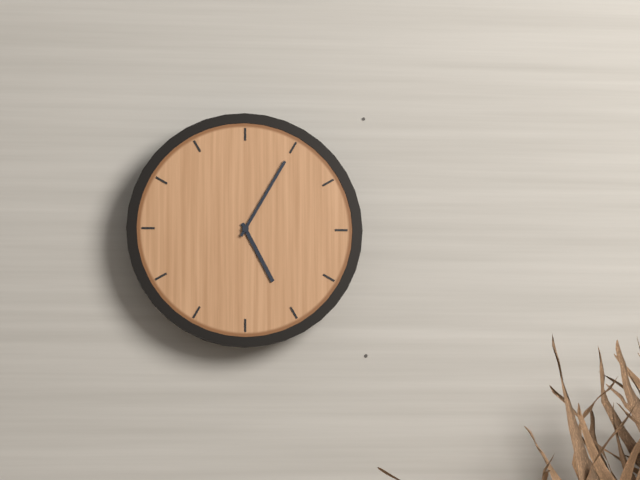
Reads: 5 h 05 min
